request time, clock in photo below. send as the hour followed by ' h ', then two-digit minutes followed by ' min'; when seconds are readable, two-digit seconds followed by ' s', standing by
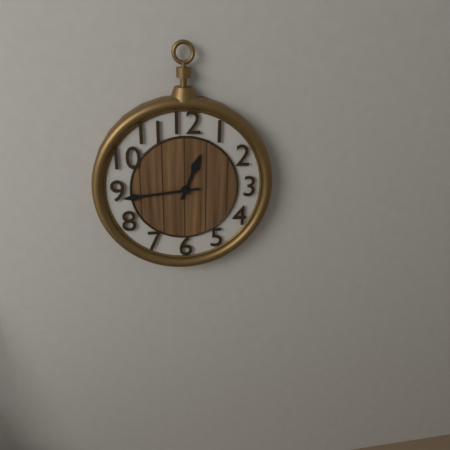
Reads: 12 h 44 min
